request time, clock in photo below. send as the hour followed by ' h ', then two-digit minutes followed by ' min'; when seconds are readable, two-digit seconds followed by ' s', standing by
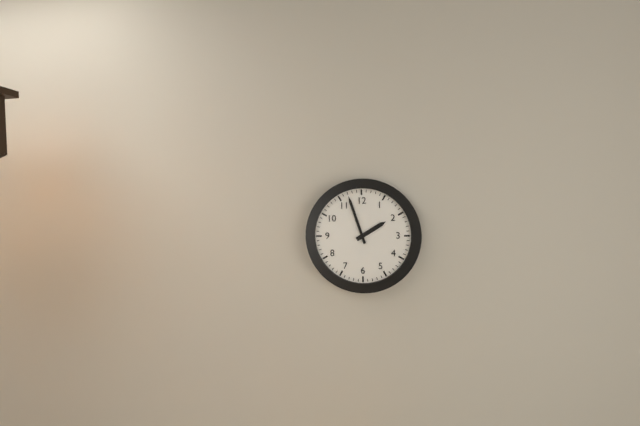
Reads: 1 h 57 min
